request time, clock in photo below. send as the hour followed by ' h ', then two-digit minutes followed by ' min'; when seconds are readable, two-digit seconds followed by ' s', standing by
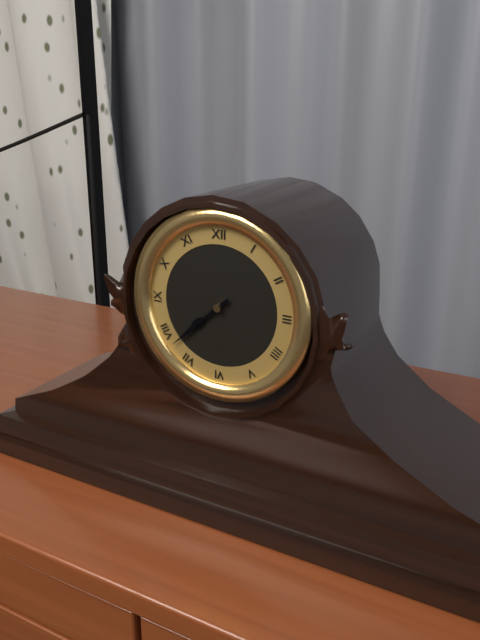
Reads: 7 h 38 min
